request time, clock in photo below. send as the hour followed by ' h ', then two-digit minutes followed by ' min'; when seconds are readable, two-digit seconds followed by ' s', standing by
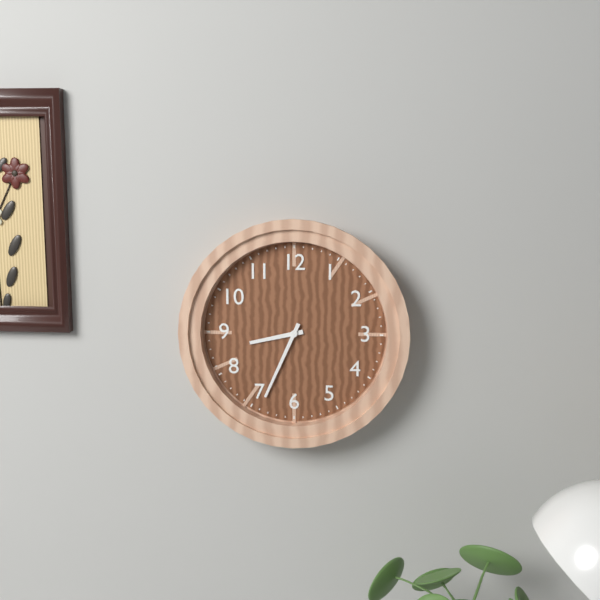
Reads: 8 h 34 min
